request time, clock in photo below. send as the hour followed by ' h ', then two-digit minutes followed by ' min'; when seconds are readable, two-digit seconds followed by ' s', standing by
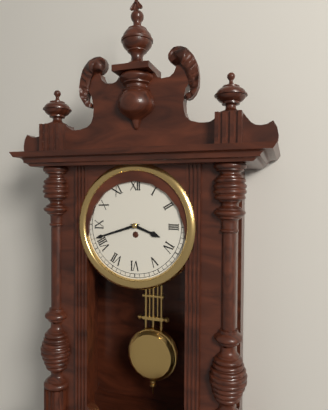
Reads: 3 h 42 min
